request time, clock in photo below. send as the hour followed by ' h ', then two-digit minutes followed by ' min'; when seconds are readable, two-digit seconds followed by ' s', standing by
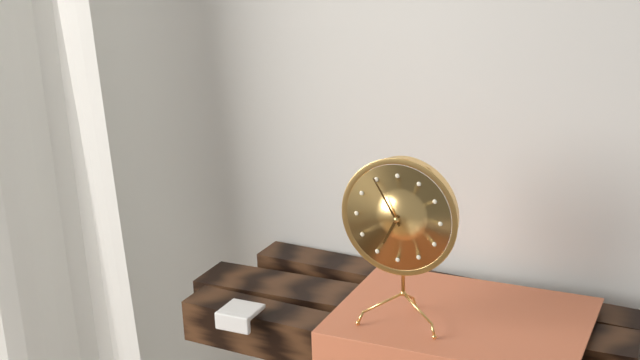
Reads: 6 h 55 min
